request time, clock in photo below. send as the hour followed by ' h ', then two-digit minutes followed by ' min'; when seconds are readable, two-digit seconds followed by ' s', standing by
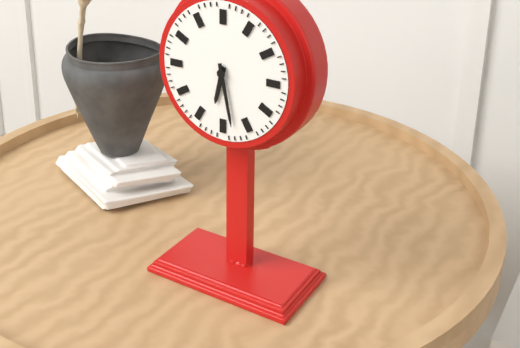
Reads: 6 h 28 min
